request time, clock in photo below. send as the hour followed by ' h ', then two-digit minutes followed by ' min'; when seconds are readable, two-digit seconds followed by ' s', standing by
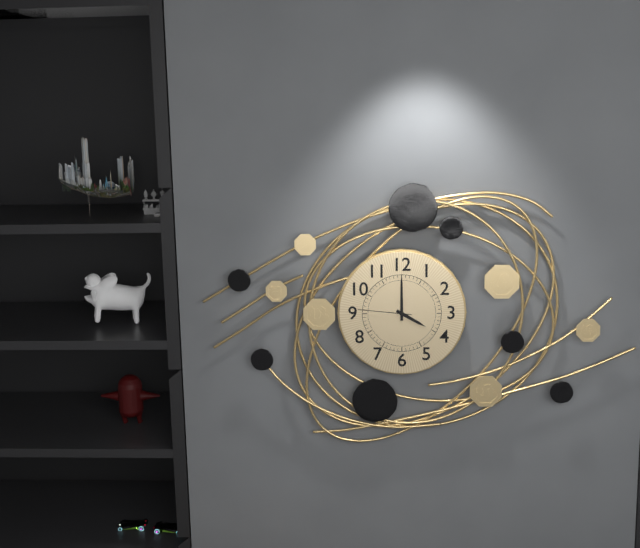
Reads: 4 h 00 min 46 s
